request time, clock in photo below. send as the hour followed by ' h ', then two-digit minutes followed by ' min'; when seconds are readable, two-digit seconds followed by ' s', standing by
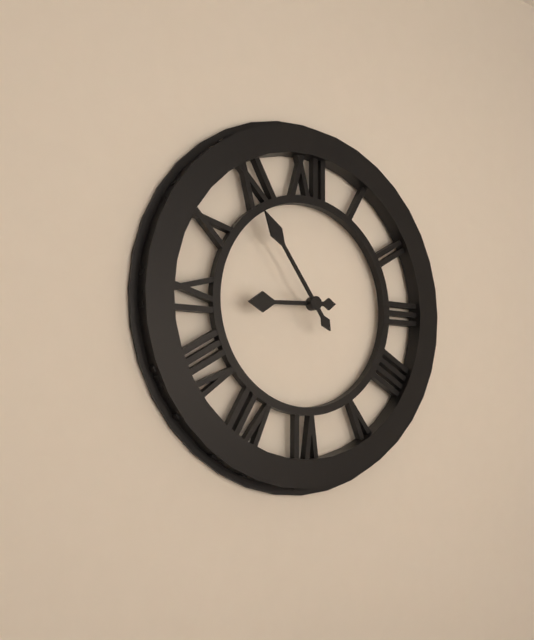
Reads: 8 h 54 min
